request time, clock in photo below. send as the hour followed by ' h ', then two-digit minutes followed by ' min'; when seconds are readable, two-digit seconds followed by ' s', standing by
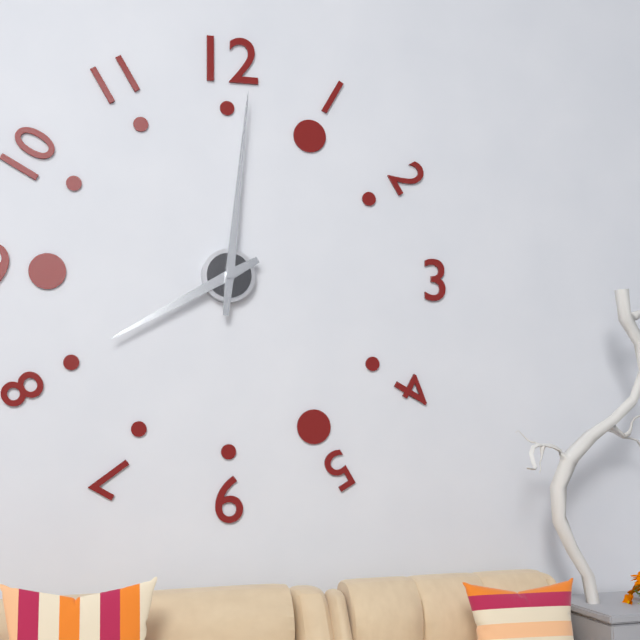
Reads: 8 h 01 min
